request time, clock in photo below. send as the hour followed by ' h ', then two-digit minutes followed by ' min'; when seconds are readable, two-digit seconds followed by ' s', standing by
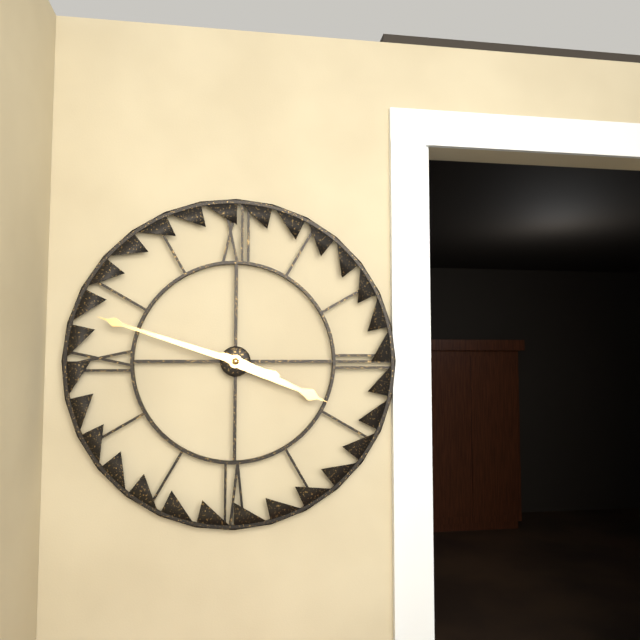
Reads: 3 h 48 min
